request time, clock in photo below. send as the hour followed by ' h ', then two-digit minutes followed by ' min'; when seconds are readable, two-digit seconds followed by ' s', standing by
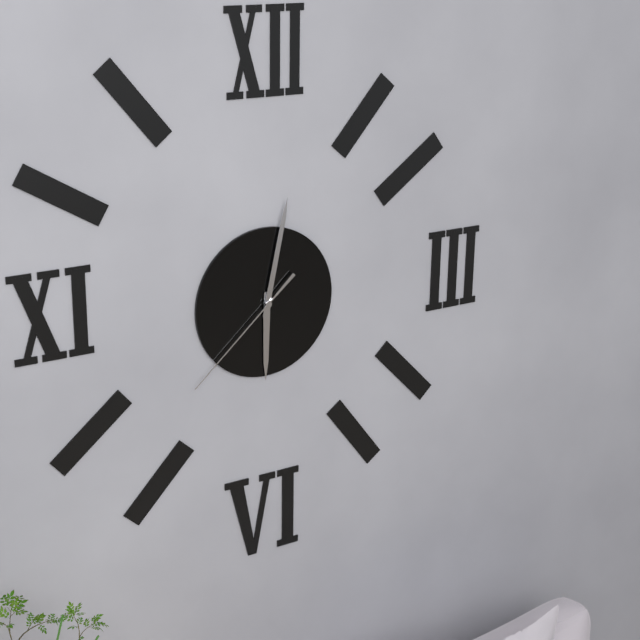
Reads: 6 h 02 min 38 s
